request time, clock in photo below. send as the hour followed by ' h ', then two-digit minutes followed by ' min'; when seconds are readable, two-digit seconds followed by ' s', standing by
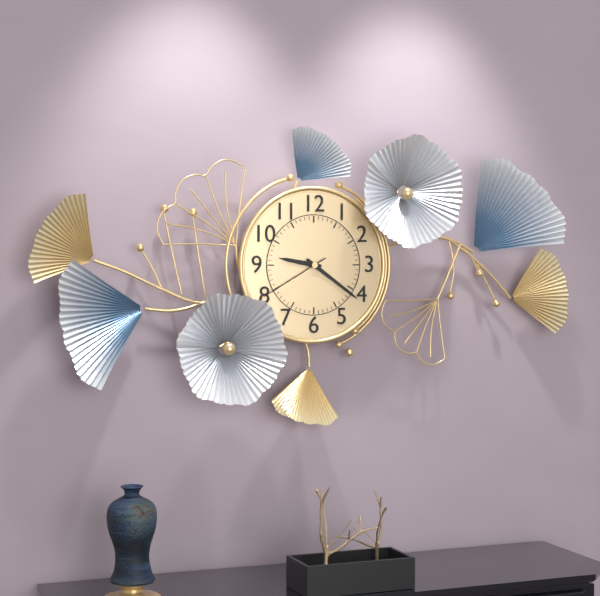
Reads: 9 h 21 min 40 s
